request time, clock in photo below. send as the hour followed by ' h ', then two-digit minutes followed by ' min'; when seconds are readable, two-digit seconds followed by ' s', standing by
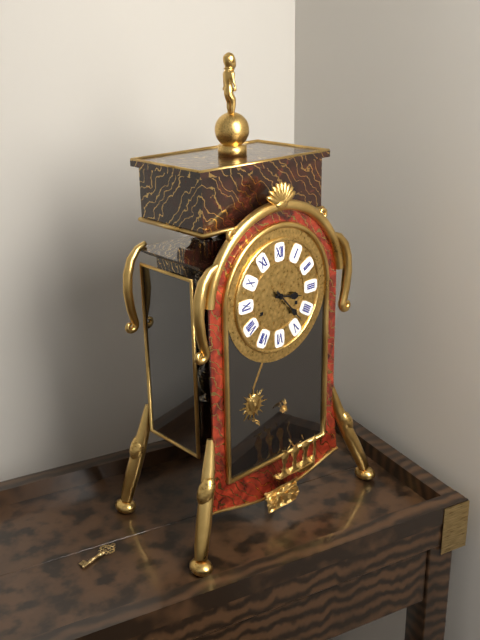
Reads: 3 h 23 min
